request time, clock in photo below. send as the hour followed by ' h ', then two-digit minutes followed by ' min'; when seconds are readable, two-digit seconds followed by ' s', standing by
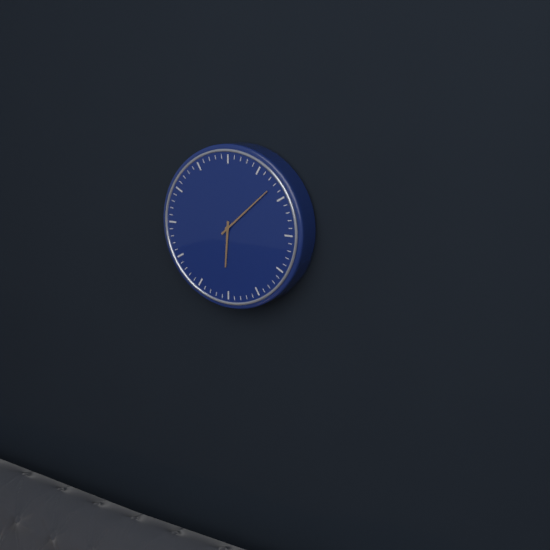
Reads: 6 h 08 min
